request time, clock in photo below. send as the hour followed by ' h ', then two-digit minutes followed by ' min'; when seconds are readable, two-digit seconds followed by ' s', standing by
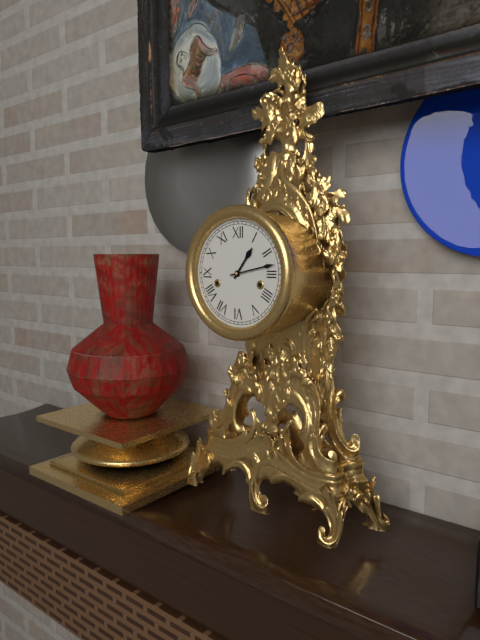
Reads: 1 h 13 min
